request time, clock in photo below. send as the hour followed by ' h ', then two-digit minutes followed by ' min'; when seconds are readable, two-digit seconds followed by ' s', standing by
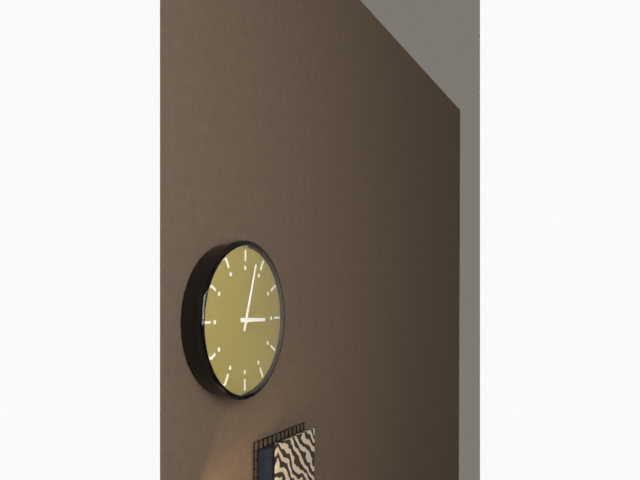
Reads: 3 h 03 min
